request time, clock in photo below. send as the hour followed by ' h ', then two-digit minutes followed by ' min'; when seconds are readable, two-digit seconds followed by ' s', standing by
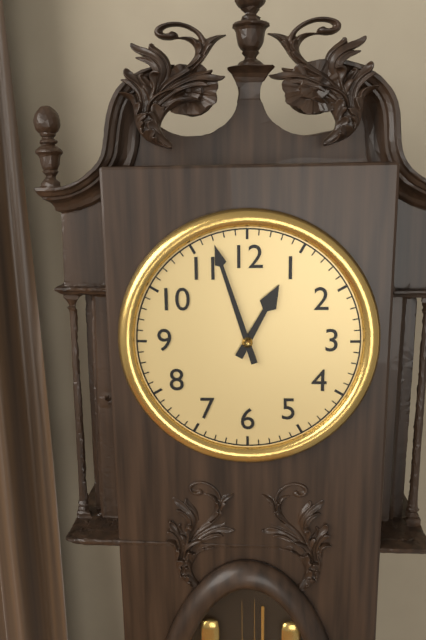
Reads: 12 h 57 min
